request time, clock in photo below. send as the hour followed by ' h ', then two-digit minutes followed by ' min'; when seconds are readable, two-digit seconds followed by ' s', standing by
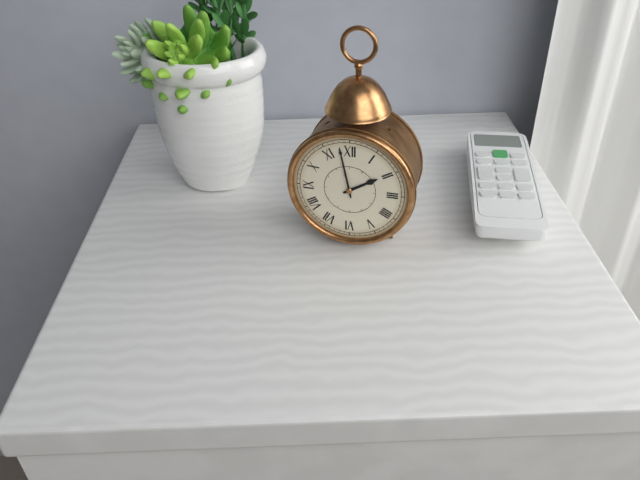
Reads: 1 h 58 min
